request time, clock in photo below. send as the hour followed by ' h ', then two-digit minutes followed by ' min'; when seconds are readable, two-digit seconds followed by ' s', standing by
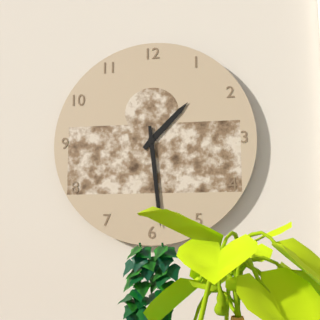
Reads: 1 h 29 min
